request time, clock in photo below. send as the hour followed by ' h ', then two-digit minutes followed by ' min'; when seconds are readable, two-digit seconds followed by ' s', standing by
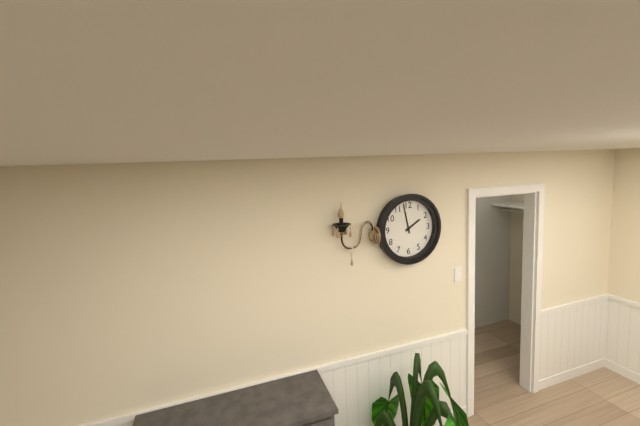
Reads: 1 h 58 min
